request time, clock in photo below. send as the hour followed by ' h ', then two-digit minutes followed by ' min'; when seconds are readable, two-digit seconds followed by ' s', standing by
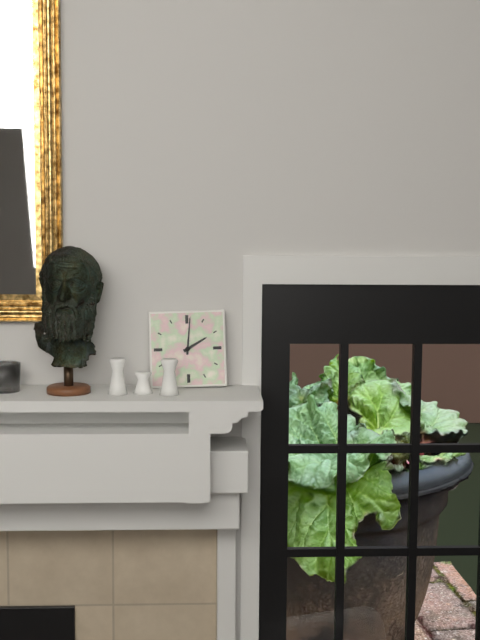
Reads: 2 h 01 min
